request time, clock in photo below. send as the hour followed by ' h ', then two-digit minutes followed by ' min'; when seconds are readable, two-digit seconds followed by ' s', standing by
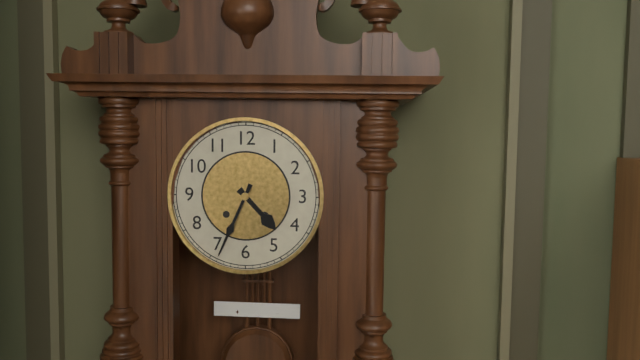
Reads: 4 h 34 min
